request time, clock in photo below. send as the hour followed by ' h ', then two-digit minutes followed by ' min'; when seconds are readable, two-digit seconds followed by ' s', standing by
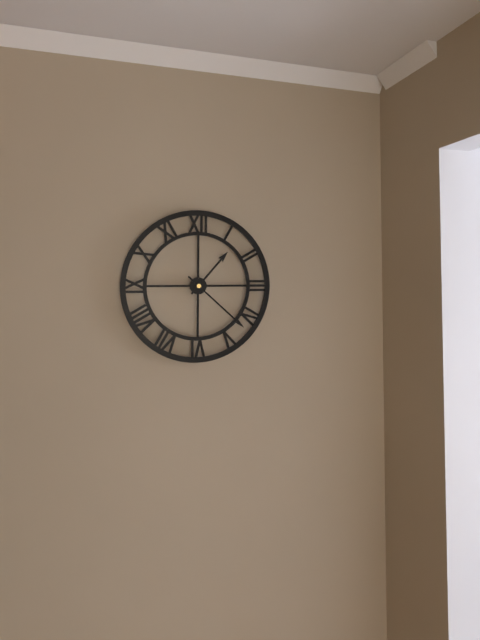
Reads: 1 h 22 min
